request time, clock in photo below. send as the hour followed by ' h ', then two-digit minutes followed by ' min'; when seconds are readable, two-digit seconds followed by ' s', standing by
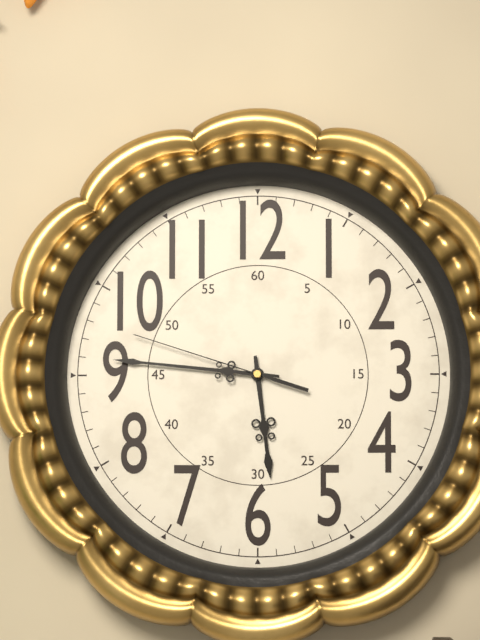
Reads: 5 h 46 min 48 s
